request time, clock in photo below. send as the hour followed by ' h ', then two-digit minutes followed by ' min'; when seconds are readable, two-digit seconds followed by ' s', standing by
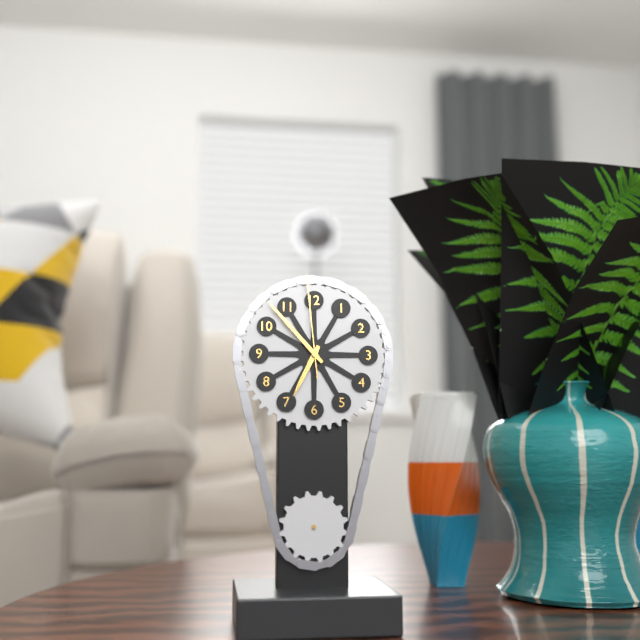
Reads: 6 h 53 min 59 s
